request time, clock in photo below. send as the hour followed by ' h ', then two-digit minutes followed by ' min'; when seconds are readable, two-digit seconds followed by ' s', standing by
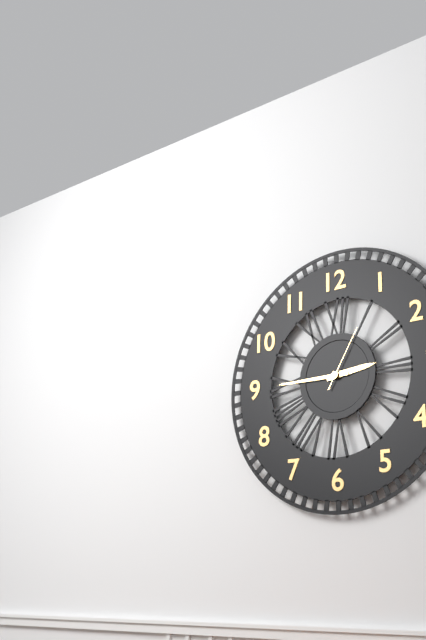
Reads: 2 h 45 min 05 s
